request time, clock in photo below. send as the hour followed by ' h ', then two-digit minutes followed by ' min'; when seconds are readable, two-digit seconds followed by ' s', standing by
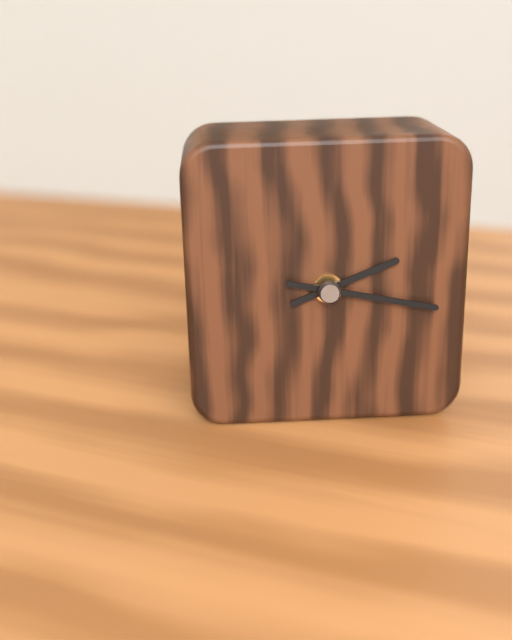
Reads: 2 h 17 min
